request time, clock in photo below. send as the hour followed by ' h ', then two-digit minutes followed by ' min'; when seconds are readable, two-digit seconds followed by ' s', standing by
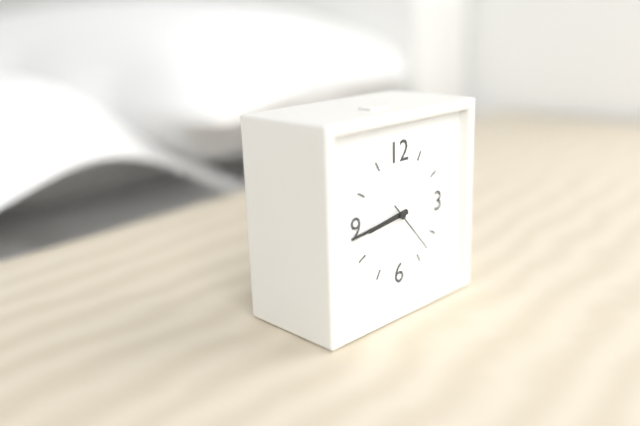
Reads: 8 h 44 min 23 s
